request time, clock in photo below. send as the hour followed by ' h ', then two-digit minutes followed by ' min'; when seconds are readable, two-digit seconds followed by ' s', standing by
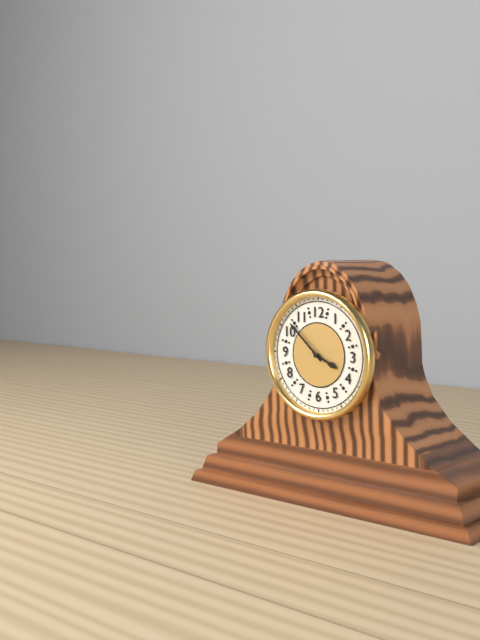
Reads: 3 h 52 min
